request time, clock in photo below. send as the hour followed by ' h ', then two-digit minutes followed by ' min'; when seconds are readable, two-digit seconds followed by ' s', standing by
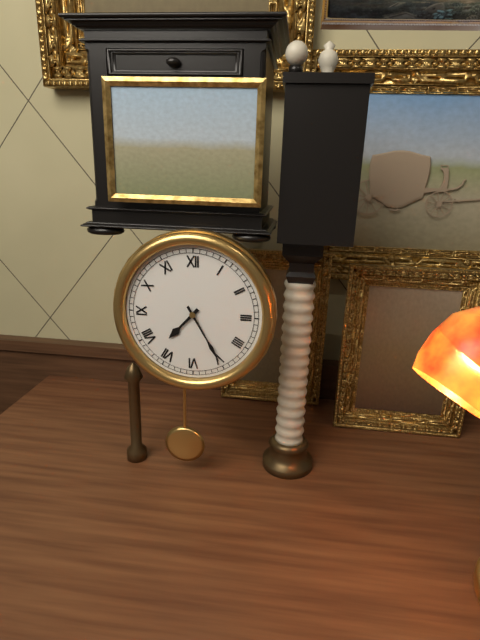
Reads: 7 h 25 min
